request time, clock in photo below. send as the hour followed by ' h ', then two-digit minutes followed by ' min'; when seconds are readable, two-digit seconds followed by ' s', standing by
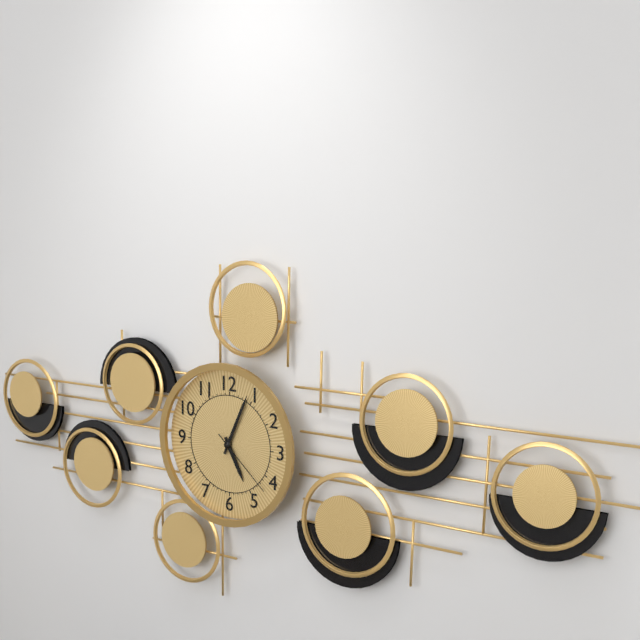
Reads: 5 h 04 min 22 s
